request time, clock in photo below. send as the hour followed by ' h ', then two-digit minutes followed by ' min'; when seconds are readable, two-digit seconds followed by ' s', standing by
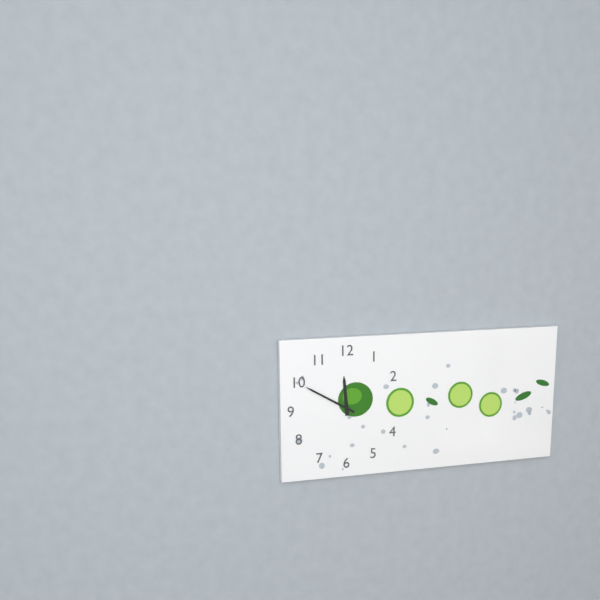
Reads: 11 h 50 min
